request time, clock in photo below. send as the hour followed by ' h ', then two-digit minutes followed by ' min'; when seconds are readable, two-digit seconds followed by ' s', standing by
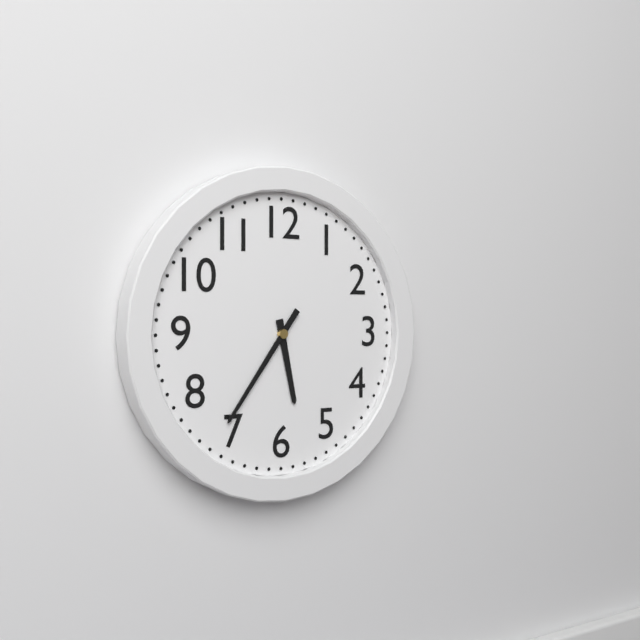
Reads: 5 h 36 min
